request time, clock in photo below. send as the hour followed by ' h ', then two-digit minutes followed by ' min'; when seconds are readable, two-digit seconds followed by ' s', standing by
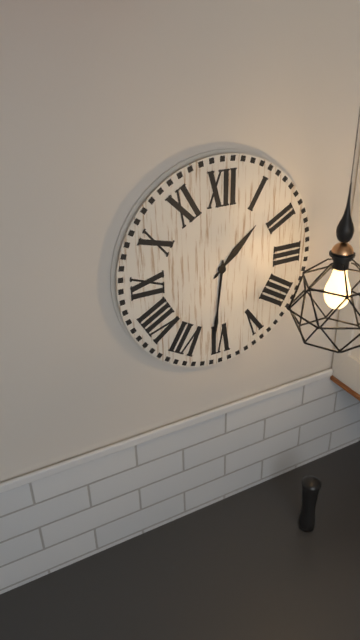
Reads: 1 h 31 min
